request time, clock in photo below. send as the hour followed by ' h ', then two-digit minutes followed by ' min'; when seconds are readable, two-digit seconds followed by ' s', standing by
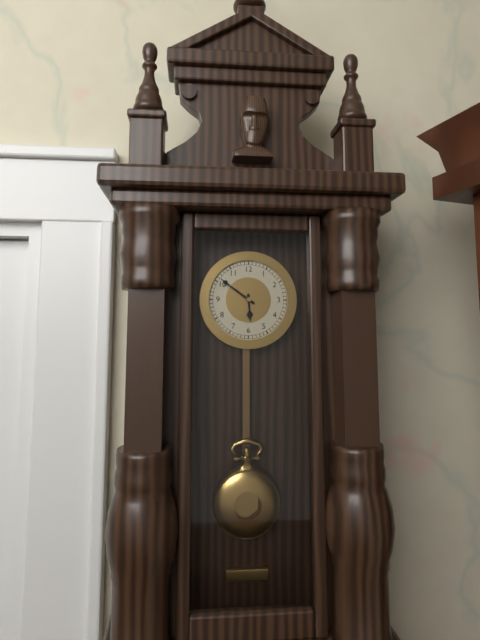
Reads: 5 h 51 min
